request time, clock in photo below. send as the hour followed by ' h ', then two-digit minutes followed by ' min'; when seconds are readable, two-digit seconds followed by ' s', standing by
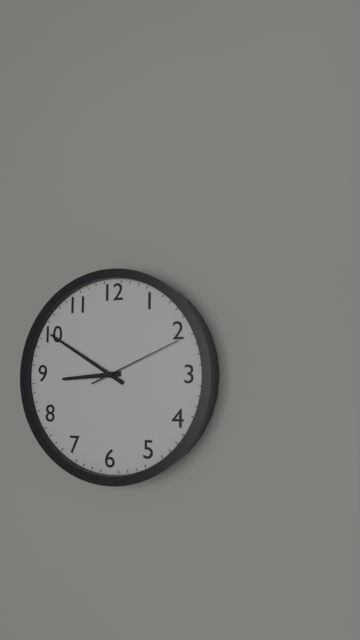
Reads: 8 h 50 min 11 s
